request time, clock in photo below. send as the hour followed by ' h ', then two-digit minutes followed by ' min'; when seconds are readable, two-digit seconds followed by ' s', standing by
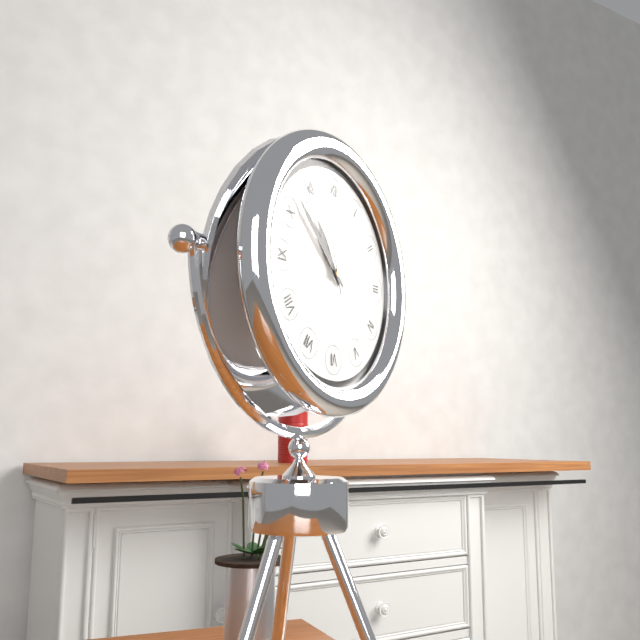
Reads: 10 h 52 min 57 s
